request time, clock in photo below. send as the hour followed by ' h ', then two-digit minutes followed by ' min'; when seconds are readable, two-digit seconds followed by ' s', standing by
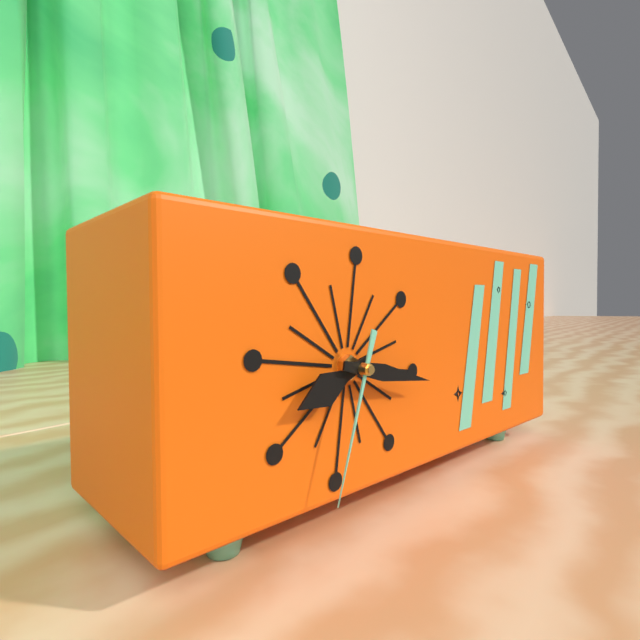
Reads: 8 h 17 min 33 s
